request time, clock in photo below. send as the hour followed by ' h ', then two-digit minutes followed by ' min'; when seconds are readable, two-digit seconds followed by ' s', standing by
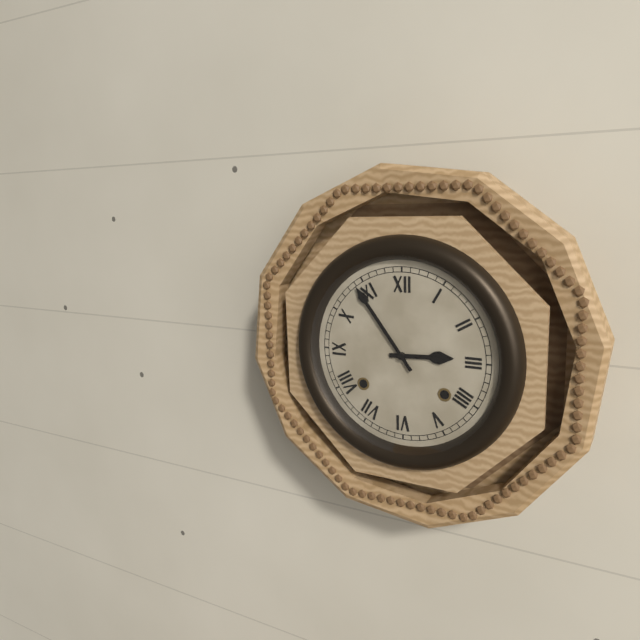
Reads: 2 h 54 min
